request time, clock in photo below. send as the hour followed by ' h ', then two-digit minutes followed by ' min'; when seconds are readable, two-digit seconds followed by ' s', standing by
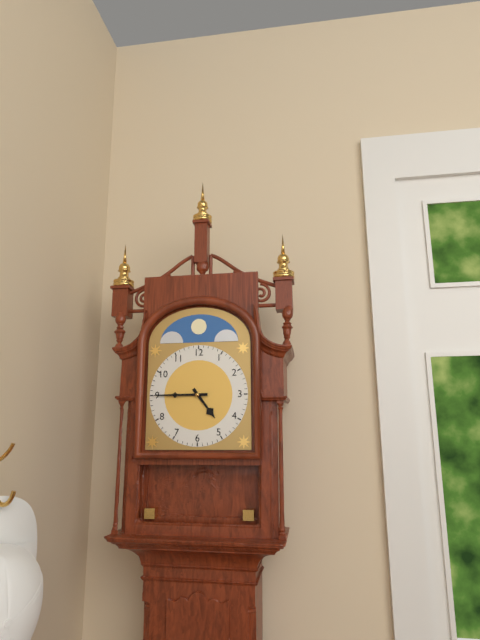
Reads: 4 h 45 min
